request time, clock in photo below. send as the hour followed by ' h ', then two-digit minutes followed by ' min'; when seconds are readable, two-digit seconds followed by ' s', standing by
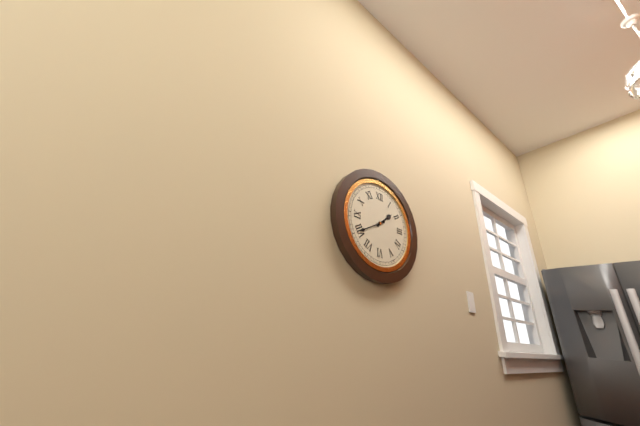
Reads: 1 h 40 min
